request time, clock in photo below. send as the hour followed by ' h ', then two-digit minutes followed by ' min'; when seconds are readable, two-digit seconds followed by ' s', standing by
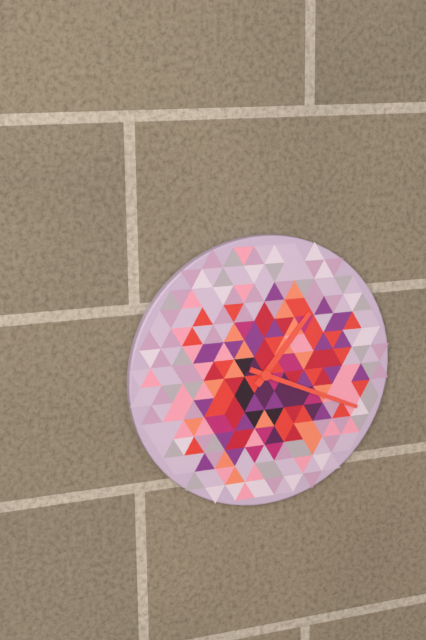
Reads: 1 h 19 min
